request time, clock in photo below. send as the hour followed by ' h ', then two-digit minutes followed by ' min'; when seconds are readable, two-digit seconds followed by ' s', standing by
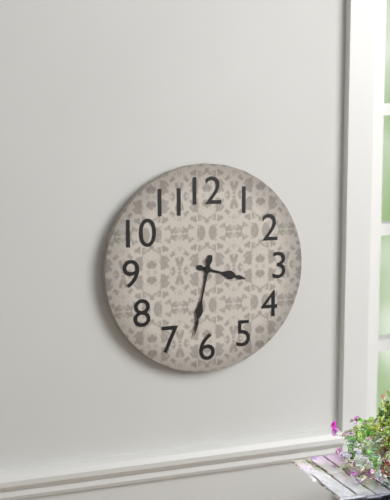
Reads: 3 h 32 min
